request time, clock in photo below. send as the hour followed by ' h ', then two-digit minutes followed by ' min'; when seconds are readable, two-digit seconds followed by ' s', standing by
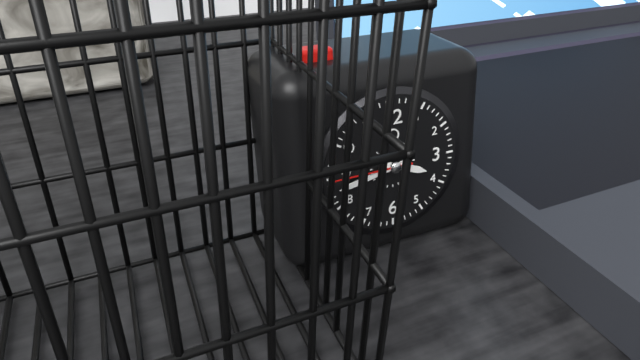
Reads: 3 h 43 min
